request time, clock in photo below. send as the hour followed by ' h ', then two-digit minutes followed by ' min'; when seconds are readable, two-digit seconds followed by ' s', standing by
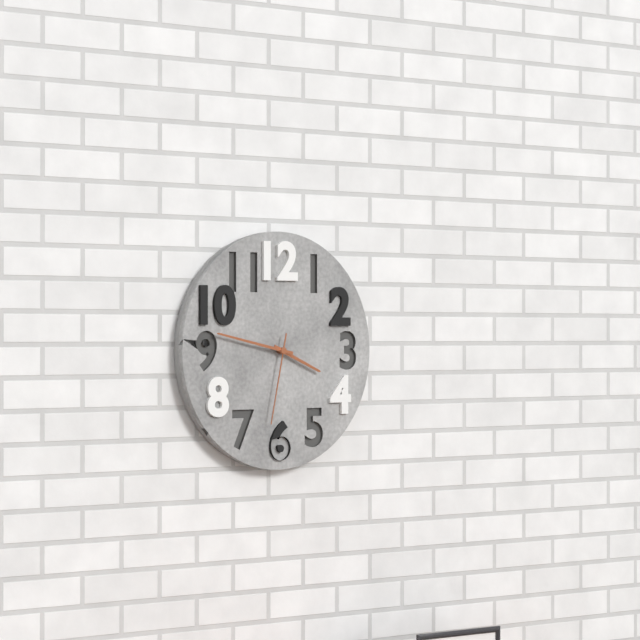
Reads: 3 h 47 min 32 s
